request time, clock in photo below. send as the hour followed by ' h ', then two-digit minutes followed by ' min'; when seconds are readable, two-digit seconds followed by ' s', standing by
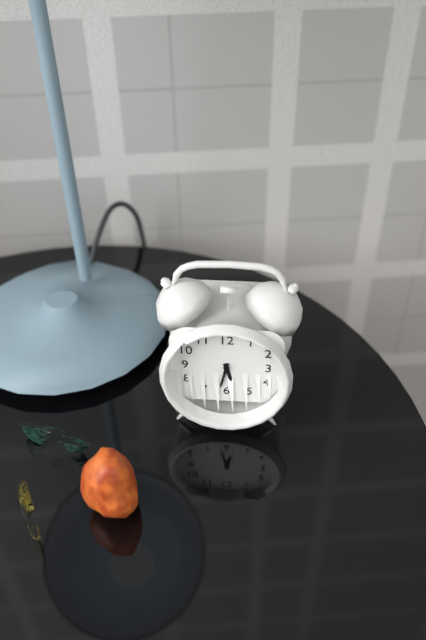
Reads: 5 h 32 min
